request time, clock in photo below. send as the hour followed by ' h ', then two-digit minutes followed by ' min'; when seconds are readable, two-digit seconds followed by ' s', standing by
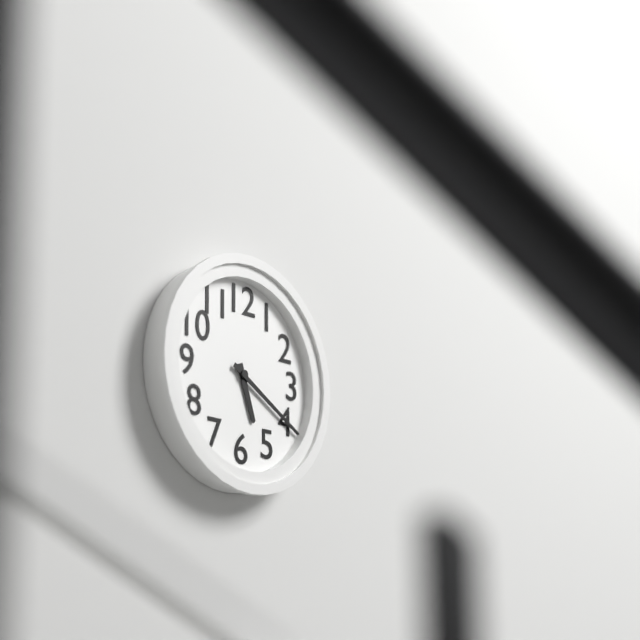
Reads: 5 h 20 min
